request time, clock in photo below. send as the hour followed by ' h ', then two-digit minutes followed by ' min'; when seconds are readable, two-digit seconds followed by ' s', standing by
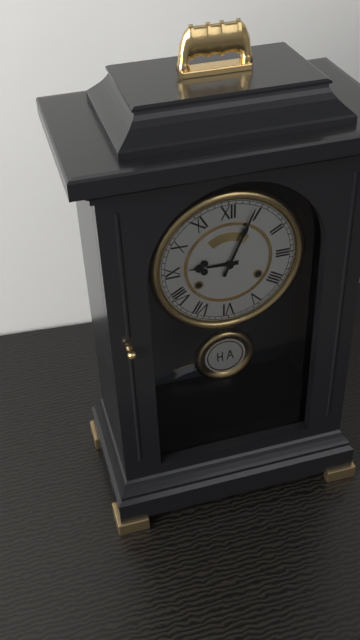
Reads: 9 h 04 min
